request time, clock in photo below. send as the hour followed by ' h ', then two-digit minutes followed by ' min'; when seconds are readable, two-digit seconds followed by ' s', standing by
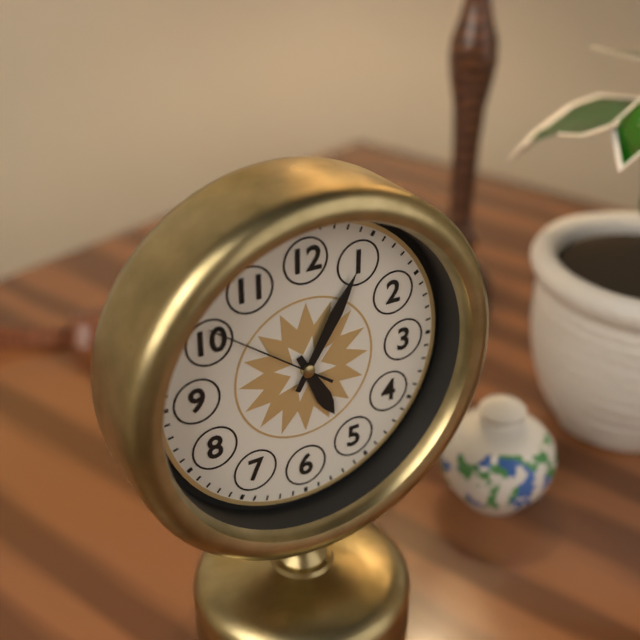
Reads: 5 h 05 min 51 s
